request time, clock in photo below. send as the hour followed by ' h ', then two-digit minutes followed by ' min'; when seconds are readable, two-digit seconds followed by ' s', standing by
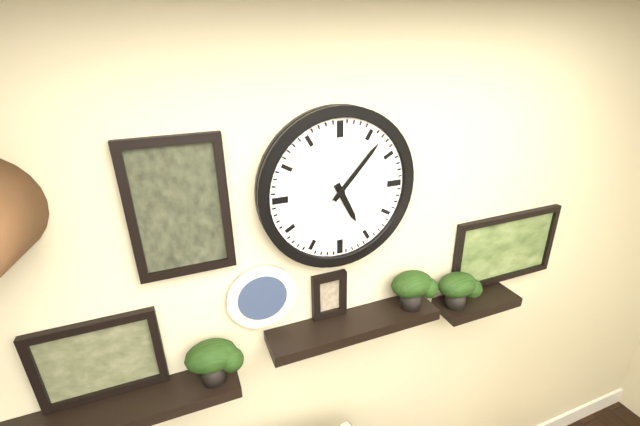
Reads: 5 h 07 min
